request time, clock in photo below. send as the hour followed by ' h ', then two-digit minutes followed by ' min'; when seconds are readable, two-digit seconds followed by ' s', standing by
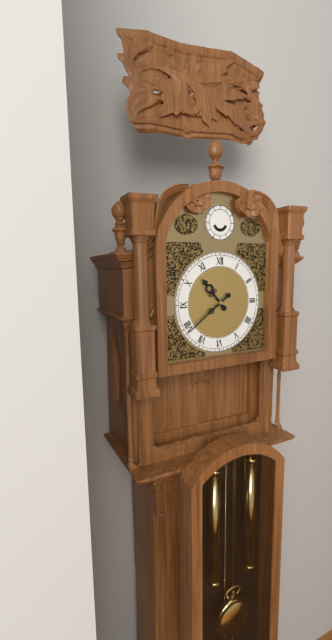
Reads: 10 h 39 min
